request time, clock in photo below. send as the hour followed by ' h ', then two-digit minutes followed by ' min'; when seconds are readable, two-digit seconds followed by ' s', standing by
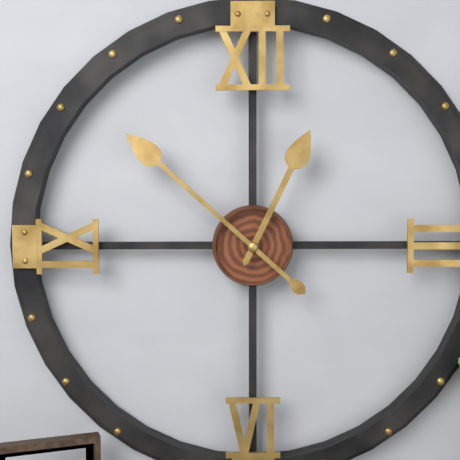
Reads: 12 h 52 min
